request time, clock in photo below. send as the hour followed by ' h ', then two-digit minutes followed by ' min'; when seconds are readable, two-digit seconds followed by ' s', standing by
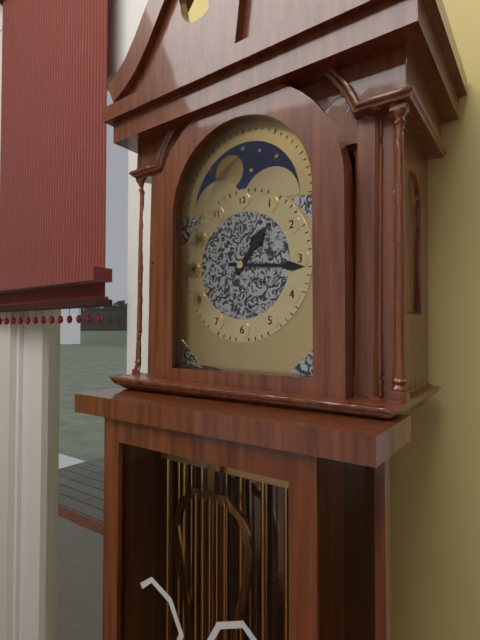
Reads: 1 h 16 min
